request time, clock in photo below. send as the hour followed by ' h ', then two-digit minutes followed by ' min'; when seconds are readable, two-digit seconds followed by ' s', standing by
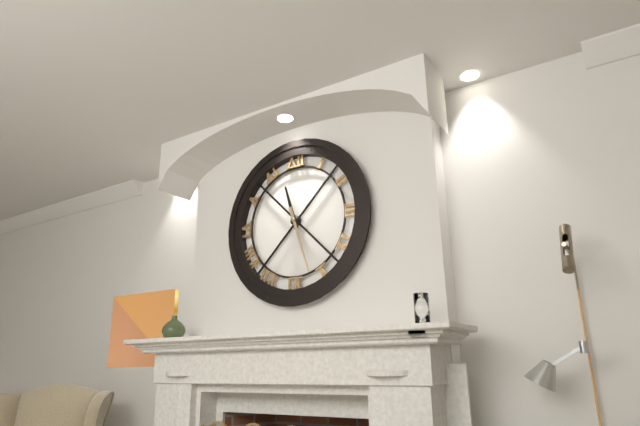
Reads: 11 h 27 min
